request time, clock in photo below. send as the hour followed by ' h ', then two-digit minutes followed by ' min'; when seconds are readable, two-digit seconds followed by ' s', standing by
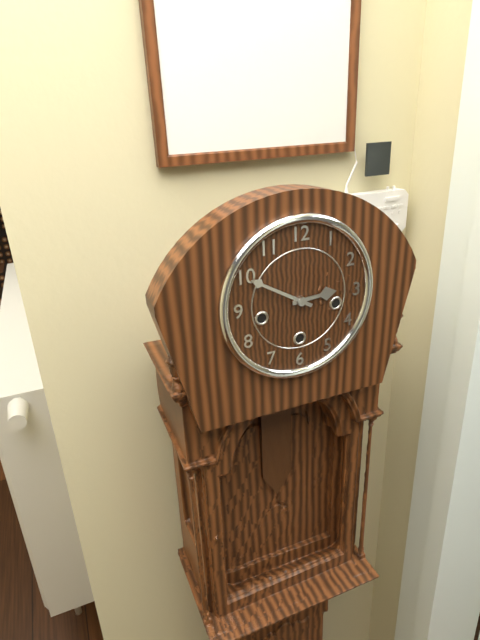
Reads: 2 h 50 min
